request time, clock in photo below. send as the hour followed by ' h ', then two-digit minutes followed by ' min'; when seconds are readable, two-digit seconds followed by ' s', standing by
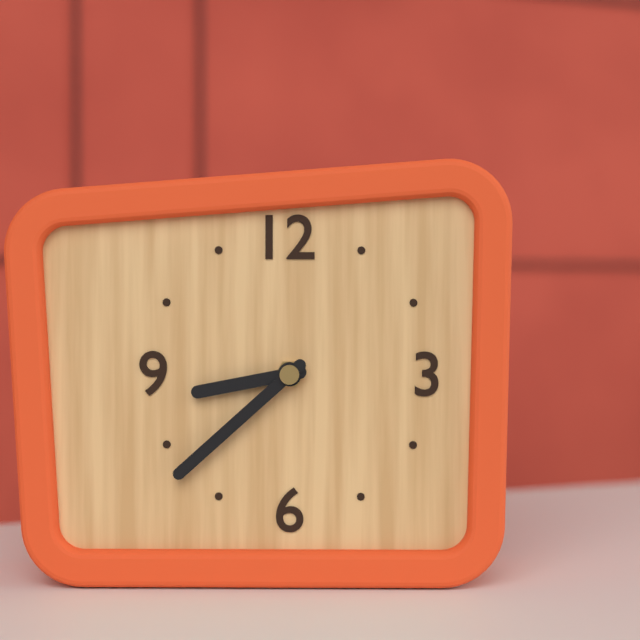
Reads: 8 h 38 min
